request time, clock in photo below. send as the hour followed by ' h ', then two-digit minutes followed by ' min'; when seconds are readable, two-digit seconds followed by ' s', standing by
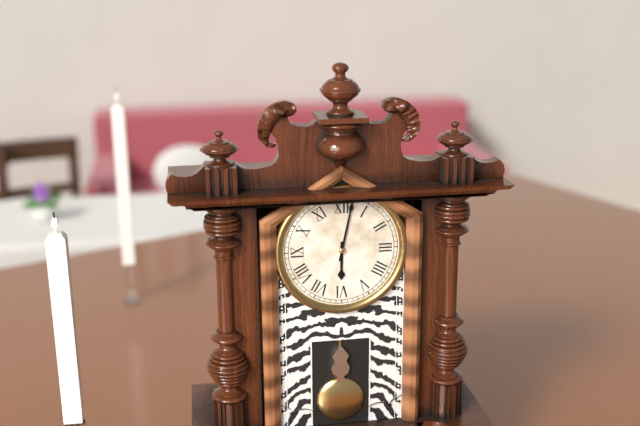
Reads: 6 h 02 min
